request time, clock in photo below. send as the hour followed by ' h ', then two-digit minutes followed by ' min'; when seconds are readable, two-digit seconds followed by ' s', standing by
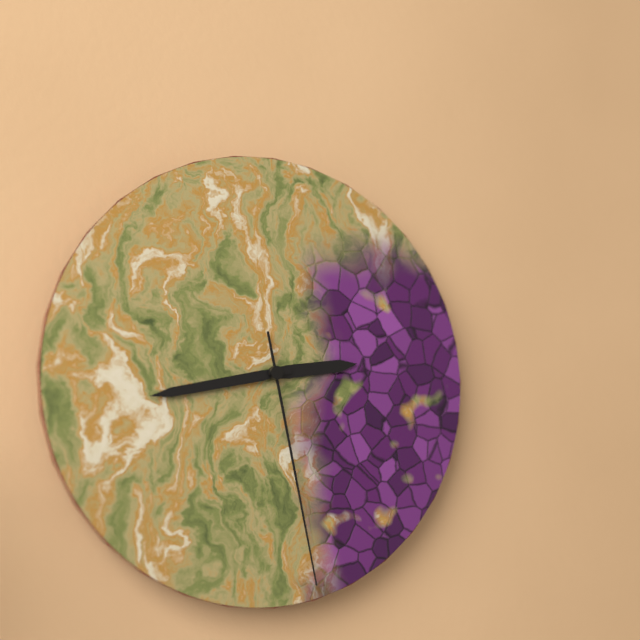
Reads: 2 h 43 min 28 s
